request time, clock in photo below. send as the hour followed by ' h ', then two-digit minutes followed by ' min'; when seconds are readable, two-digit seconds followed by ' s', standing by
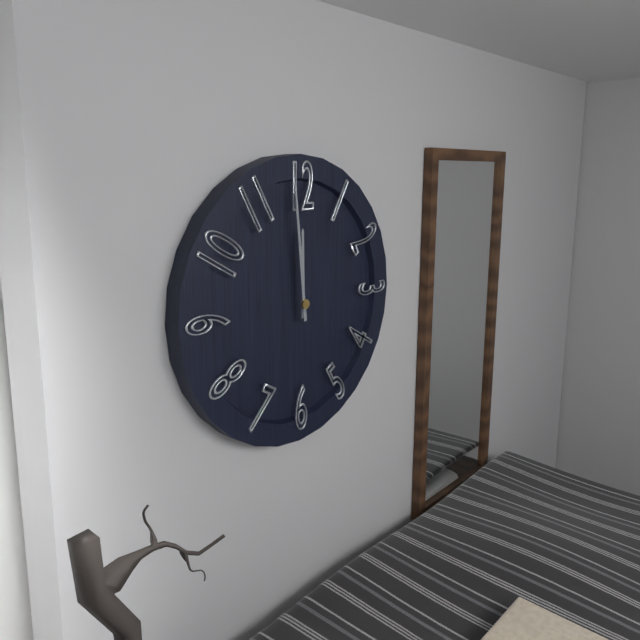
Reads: 11 h 59 min
